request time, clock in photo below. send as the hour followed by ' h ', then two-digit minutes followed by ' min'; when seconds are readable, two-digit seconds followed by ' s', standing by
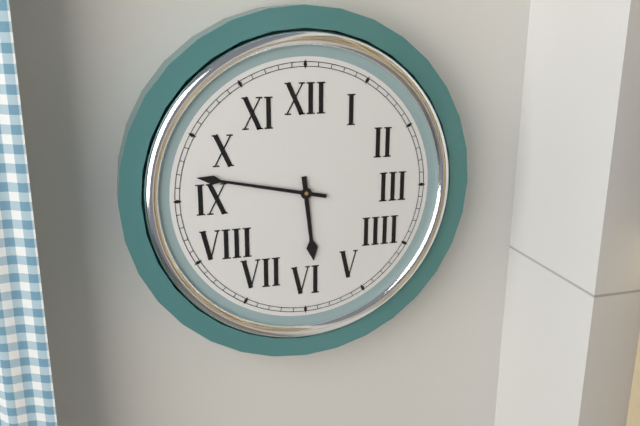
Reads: 5 h 47 min
